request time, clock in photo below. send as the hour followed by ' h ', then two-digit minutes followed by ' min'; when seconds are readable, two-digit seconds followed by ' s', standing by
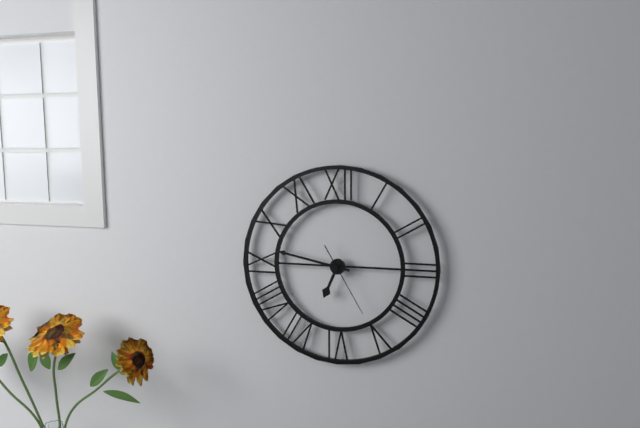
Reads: 6 h 47 min 25 s
